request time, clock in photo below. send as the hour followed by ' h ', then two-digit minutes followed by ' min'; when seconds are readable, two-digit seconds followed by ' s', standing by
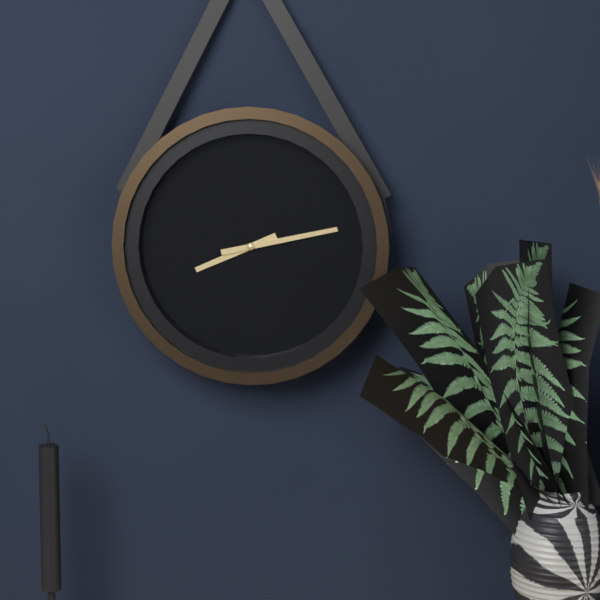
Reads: 8 h 13 min
